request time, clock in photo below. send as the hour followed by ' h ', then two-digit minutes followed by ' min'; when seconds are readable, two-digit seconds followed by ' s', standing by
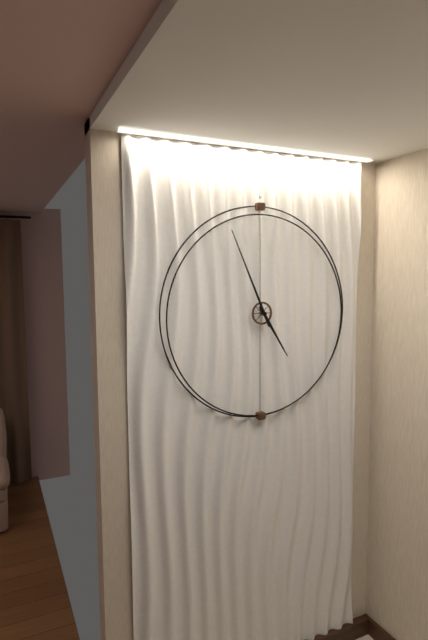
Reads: 4 h 56 min
